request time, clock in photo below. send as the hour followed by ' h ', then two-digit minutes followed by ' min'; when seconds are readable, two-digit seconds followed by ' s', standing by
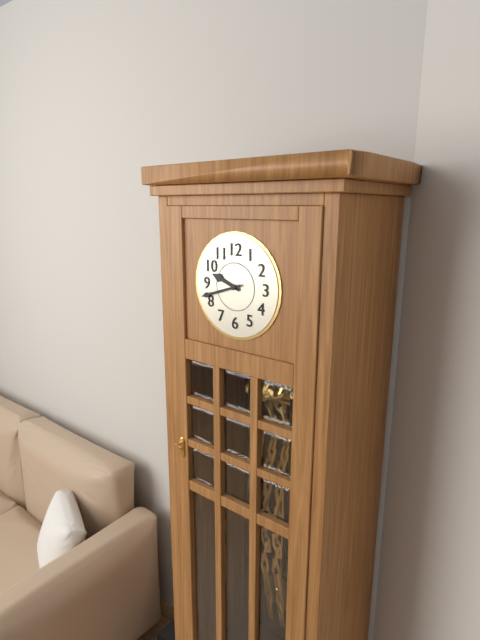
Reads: 9 h 42 min
